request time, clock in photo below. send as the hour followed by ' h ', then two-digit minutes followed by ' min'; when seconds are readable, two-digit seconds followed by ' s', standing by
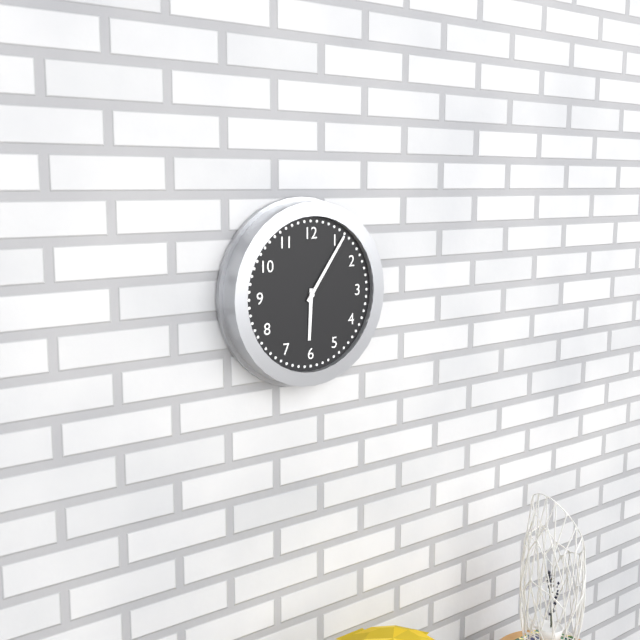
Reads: 6 h 06 min
